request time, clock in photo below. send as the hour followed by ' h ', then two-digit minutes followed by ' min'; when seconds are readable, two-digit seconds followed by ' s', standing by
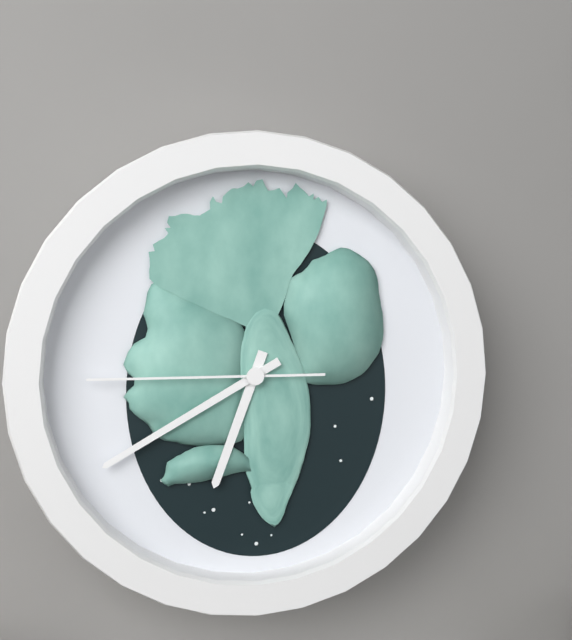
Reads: 6 h 40 min 45 s
